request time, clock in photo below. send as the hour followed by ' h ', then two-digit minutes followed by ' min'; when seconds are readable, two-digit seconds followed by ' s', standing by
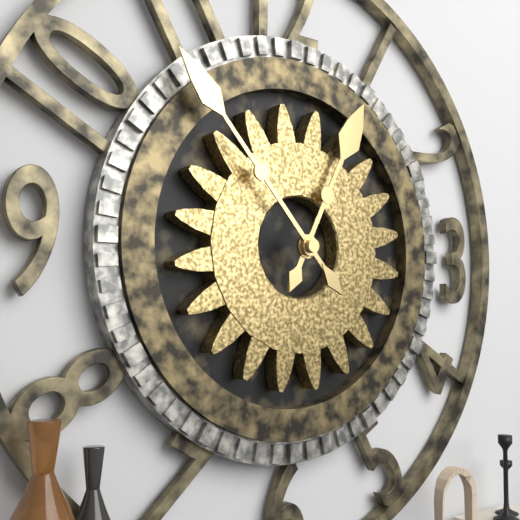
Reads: 12 h 53 min
